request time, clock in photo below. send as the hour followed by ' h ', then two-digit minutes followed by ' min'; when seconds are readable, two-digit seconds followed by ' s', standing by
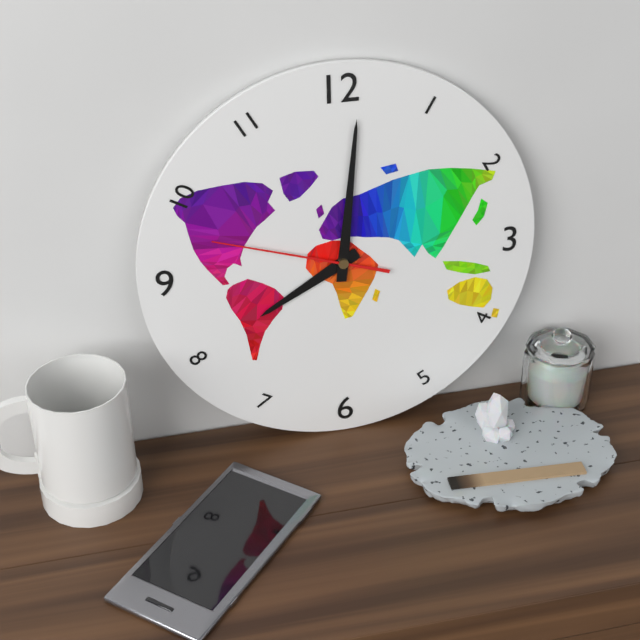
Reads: 8 h 01 min 48 s
